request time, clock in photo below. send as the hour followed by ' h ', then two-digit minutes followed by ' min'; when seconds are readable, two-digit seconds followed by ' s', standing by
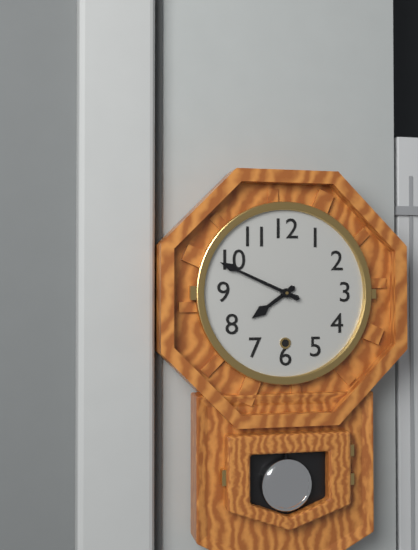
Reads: 7 h 49 min
